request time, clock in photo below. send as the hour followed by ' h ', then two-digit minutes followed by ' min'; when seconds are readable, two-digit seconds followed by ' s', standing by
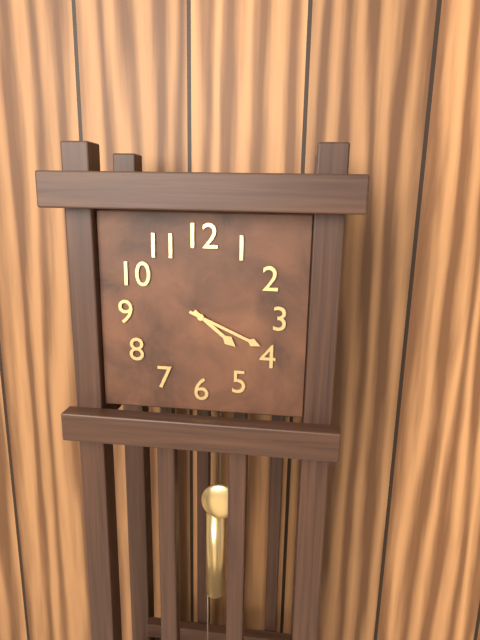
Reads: 4 h 19 min
